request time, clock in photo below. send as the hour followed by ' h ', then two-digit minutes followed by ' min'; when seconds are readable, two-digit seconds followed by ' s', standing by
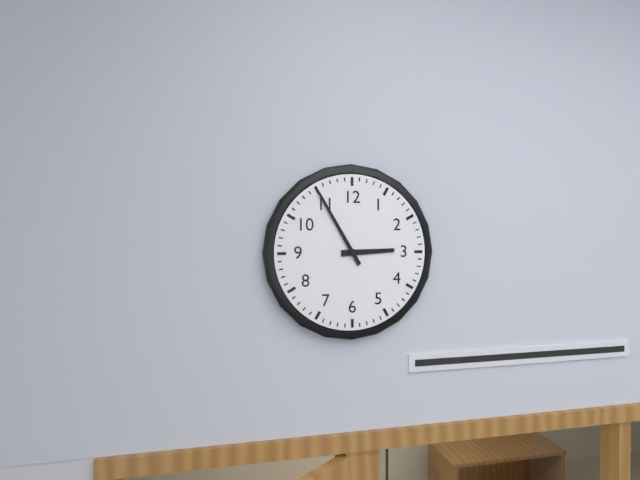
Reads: 2 h 55 min
